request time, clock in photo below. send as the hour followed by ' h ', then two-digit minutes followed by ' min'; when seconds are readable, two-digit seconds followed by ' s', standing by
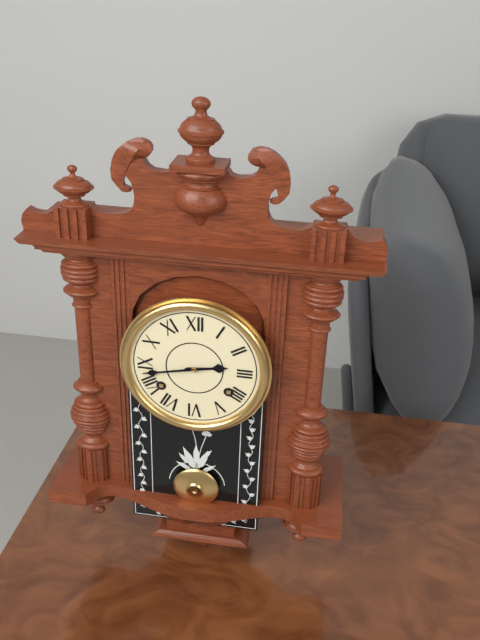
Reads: 2 h 43 min
